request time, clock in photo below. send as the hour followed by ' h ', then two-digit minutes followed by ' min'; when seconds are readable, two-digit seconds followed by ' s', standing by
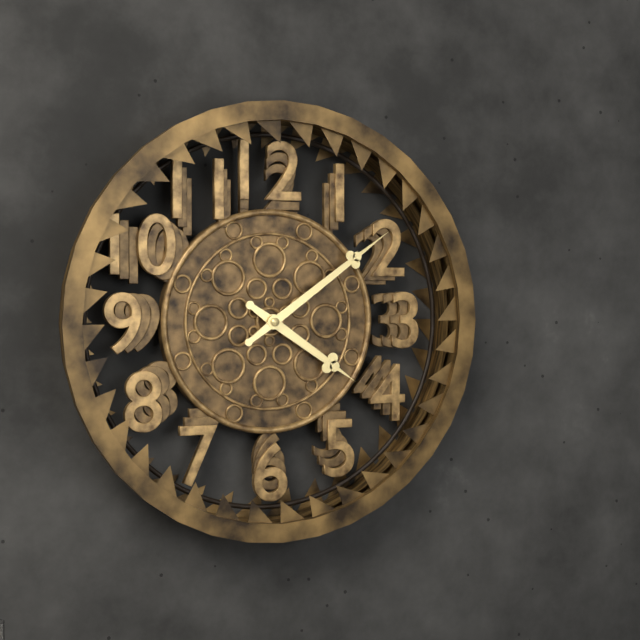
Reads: 4 h 09 min
